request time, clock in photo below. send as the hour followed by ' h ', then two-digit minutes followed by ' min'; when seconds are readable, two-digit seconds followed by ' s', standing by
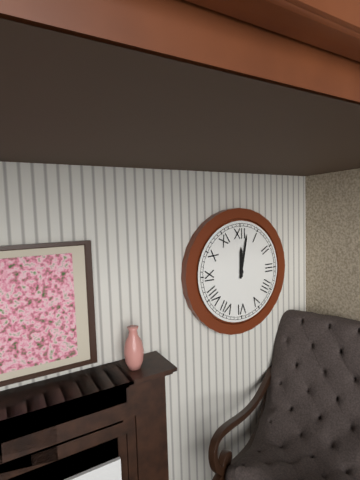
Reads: 12 h 02 min
